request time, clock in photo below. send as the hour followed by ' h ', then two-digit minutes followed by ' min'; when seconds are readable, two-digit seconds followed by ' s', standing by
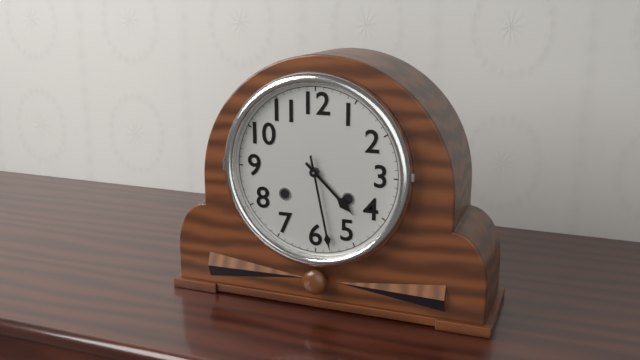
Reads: 4 h 28 min
